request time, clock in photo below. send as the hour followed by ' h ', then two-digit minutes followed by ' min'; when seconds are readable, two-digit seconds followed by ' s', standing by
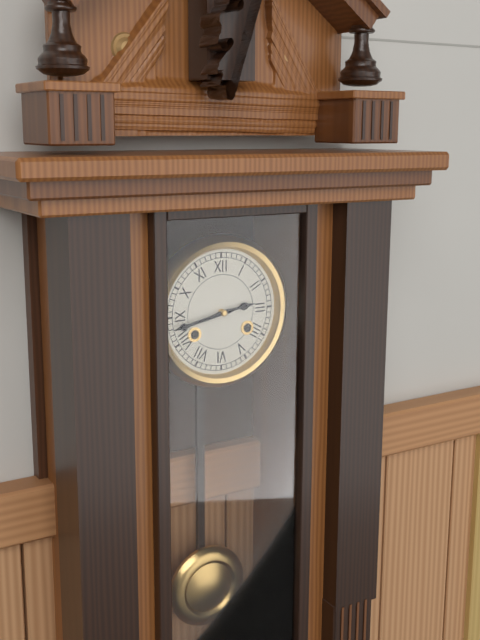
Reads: 2 h 43 min
